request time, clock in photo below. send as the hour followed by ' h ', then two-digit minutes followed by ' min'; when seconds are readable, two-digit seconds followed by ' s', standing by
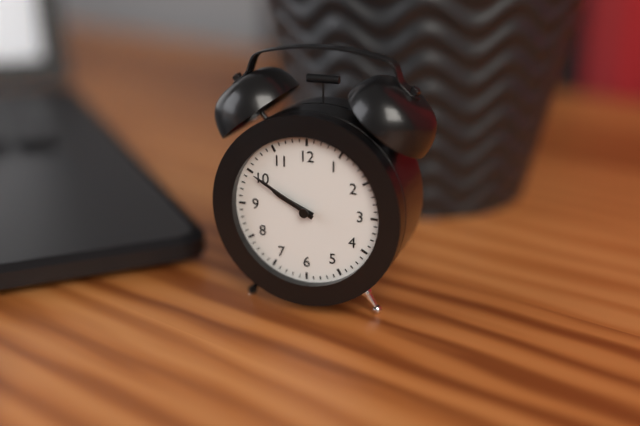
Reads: 9 h 50 min
